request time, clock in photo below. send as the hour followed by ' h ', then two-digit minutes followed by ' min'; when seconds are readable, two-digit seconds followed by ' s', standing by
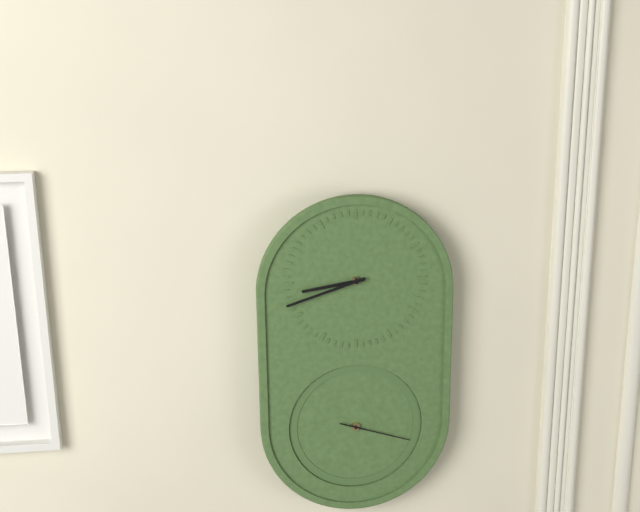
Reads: 8 h 42 min 18 s
